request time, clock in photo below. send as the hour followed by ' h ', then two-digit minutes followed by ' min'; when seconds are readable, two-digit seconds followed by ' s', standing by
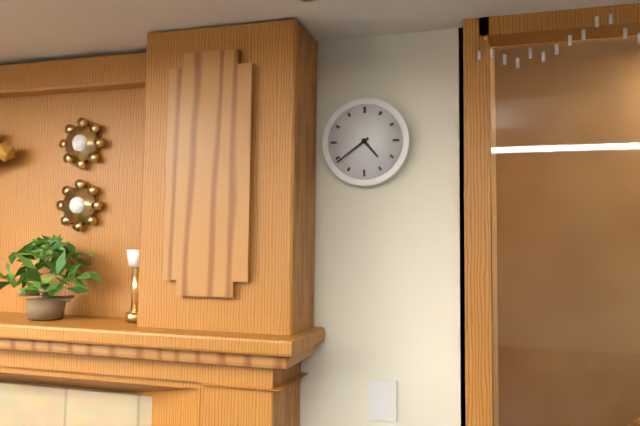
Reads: 4 h 39 min
